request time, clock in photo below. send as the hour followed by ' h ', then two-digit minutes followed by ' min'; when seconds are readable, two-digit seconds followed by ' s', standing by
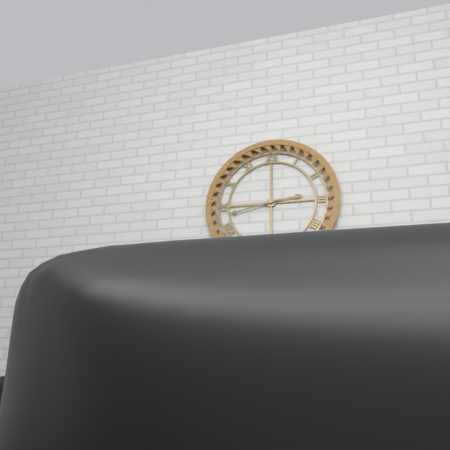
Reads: 2 h 43 min
